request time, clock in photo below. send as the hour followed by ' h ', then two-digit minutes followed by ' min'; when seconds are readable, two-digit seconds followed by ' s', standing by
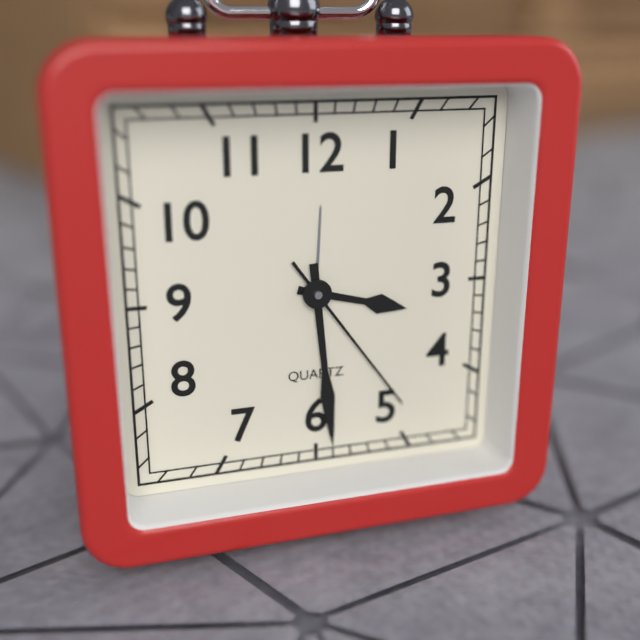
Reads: 3 h 29 min 24 s
